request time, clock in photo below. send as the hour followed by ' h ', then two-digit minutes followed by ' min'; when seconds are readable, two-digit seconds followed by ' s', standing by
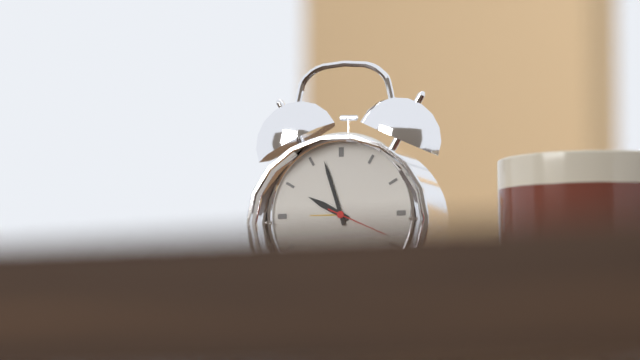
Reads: 9 h 57 min
